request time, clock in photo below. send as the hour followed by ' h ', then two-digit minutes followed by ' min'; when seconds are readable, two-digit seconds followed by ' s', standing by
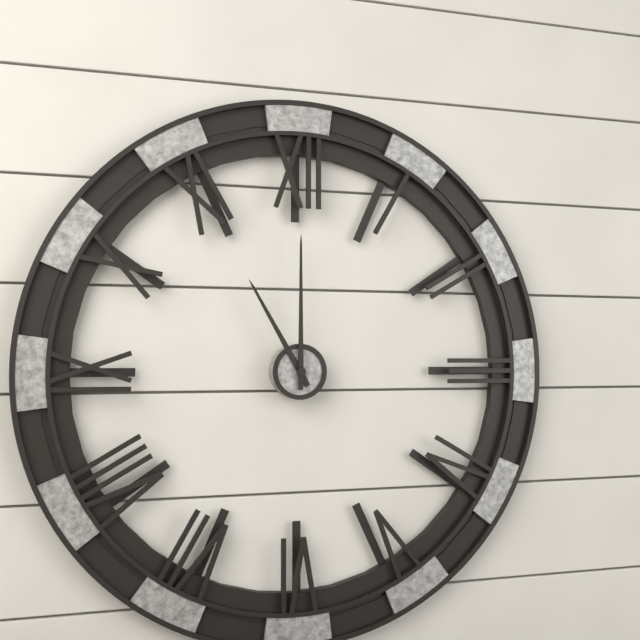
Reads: 11 h 00 min
